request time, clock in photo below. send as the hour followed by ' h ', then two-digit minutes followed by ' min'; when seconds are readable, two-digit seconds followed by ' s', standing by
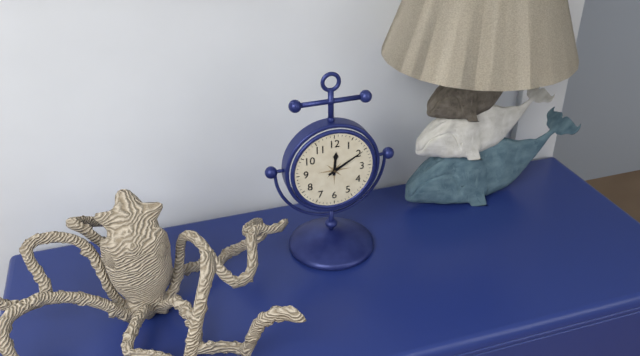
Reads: 12 h 10 min
